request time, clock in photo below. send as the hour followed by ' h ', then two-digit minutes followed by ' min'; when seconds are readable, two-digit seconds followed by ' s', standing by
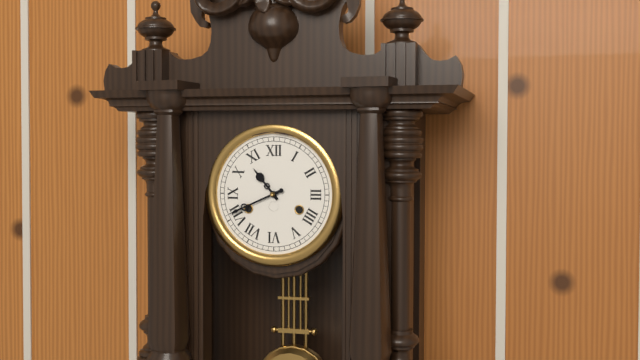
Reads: 10 h 41 min
